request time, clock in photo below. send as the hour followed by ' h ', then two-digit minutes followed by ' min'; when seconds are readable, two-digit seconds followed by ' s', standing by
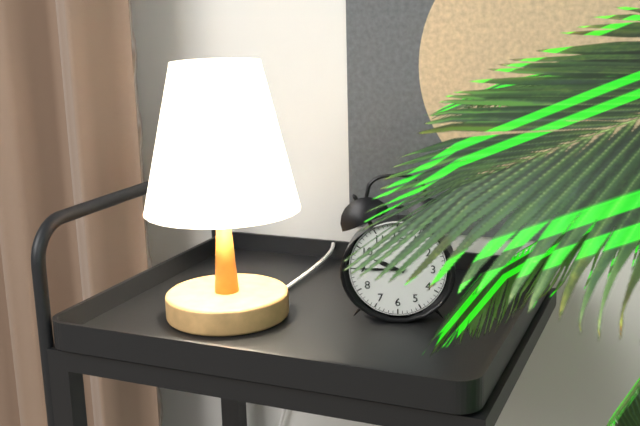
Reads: 9 h 45 min
